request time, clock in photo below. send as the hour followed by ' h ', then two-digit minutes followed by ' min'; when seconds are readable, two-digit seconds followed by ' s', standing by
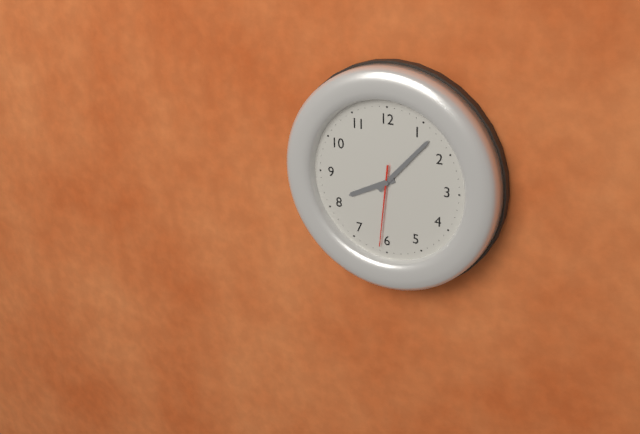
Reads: 8 h 07 min 31 s
